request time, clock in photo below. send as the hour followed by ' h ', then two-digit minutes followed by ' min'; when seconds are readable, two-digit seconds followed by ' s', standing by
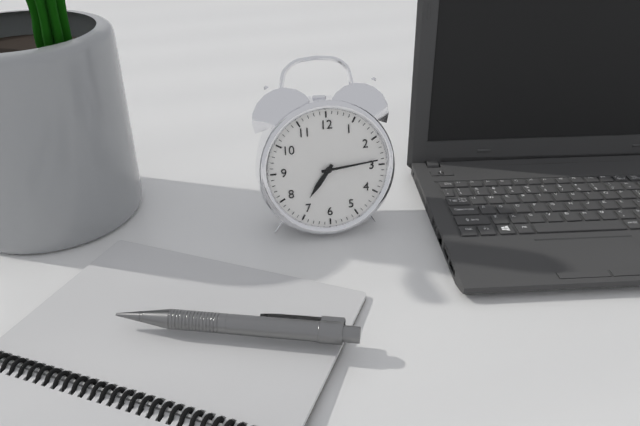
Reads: 7 h 14 min
